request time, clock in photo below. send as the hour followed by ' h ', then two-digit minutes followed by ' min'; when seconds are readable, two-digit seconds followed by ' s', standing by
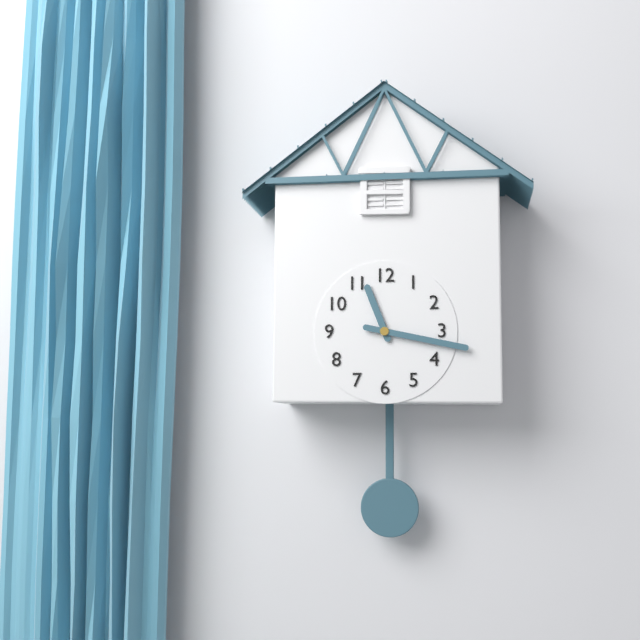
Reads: 11 h 17 min
